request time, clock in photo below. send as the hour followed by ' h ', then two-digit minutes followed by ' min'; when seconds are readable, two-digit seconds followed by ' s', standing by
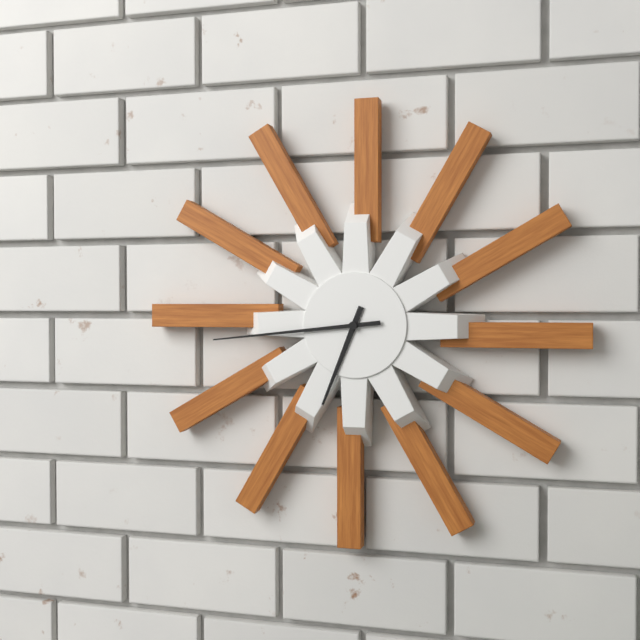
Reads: 6 h 44 min
